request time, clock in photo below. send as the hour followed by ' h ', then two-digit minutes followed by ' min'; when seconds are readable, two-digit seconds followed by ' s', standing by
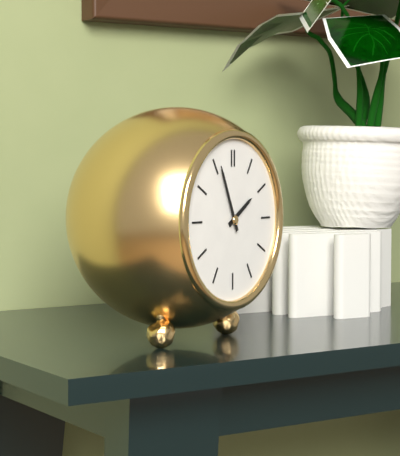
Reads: 1 h 56 min
